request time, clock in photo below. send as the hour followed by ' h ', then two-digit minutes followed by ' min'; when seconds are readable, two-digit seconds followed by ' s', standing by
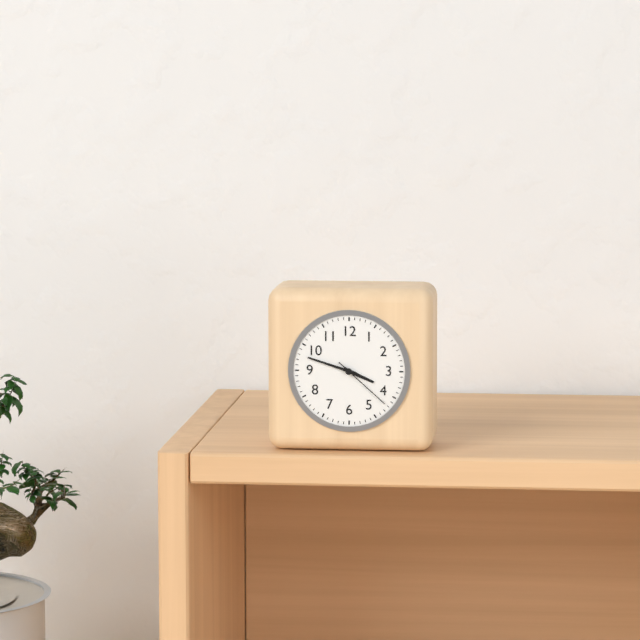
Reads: 3 h 48 min 22 s
